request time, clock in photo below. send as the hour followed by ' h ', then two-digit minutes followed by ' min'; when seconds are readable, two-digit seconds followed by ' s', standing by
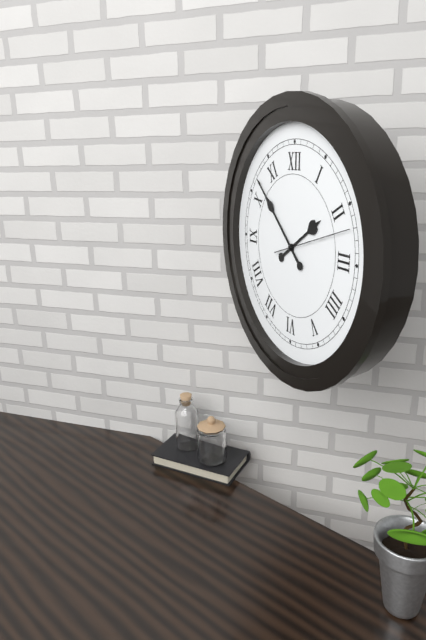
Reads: 1 h 52 min 12 s
